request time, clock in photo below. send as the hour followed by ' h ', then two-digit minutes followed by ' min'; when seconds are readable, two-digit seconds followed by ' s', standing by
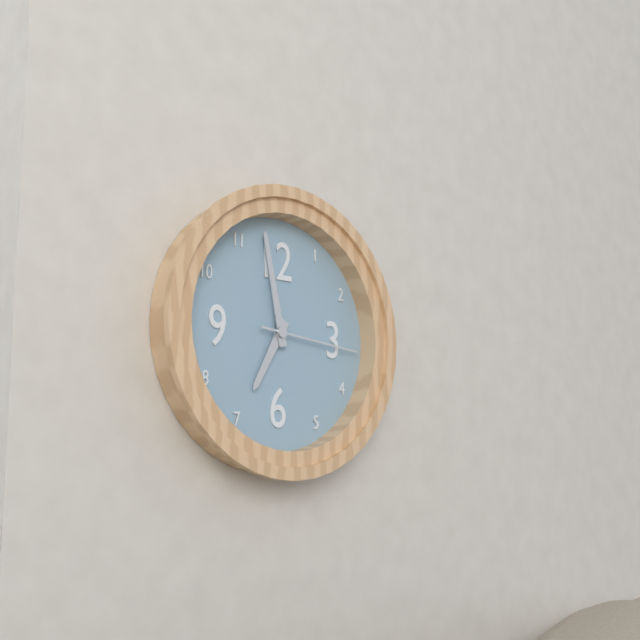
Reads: 6 h 58 min 16 s
